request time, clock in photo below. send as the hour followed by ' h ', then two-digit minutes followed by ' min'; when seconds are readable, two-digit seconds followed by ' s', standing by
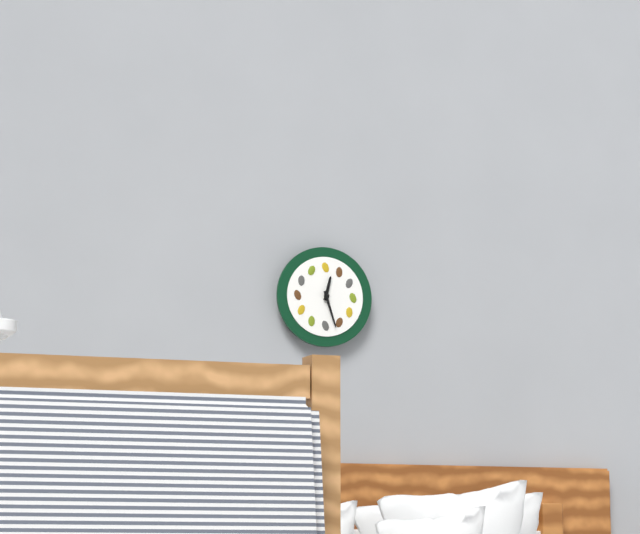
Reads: 12 h 27 min
